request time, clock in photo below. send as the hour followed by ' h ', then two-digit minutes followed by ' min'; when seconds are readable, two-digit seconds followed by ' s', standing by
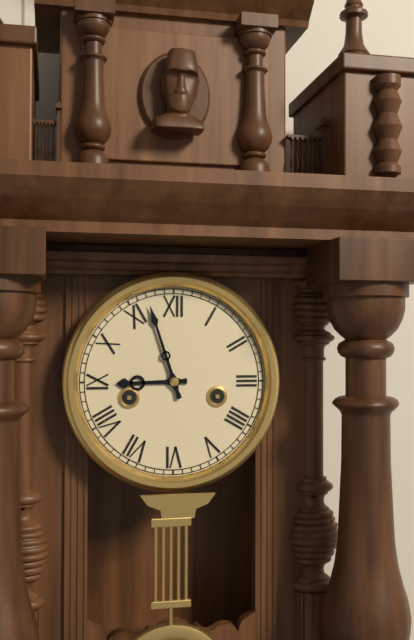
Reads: 8 h 57 min
